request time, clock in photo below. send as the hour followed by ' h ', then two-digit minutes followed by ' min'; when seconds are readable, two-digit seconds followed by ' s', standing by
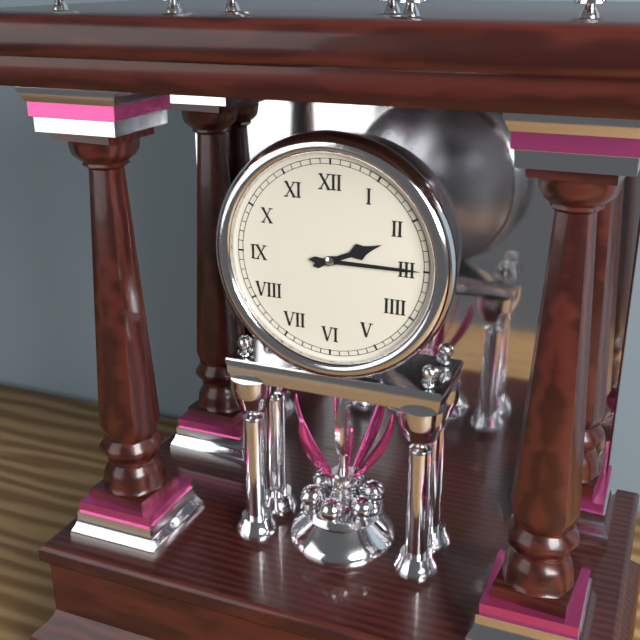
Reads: 2 h 15 min
